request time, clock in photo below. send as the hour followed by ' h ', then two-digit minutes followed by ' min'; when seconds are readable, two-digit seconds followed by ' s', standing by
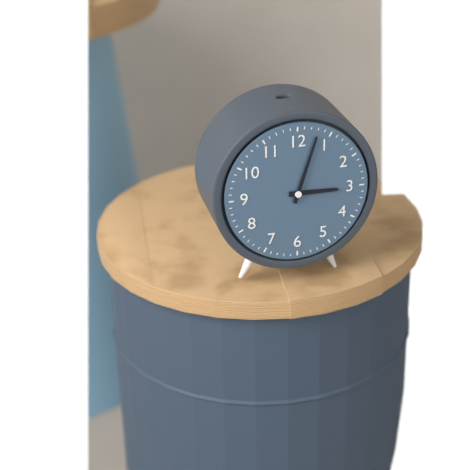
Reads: 3 h 03 min
